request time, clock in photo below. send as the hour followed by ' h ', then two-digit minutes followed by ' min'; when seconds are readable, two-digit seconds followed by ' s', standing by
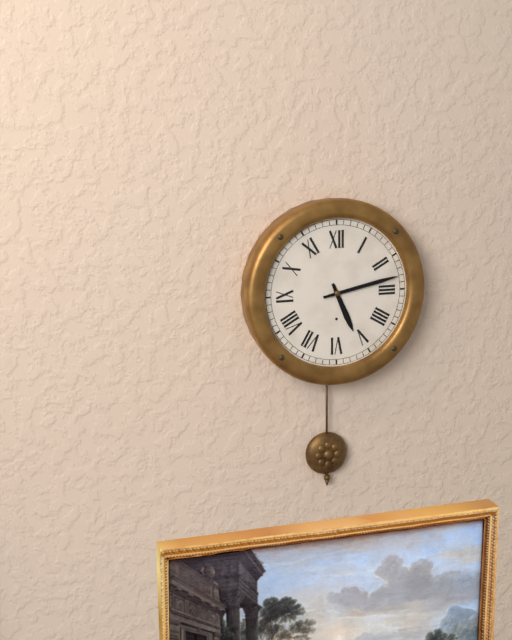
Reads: 5 h 13 min
